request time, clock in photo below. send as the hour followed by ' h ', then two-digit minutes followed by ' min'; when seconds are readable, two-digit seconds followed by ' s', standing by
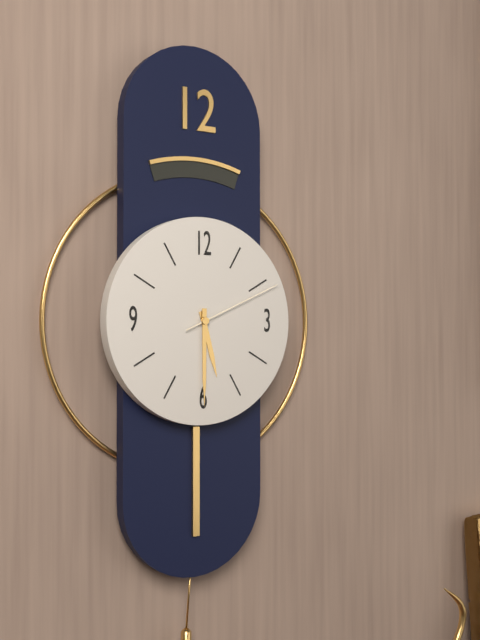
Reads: 5 h 30 min 11 s
